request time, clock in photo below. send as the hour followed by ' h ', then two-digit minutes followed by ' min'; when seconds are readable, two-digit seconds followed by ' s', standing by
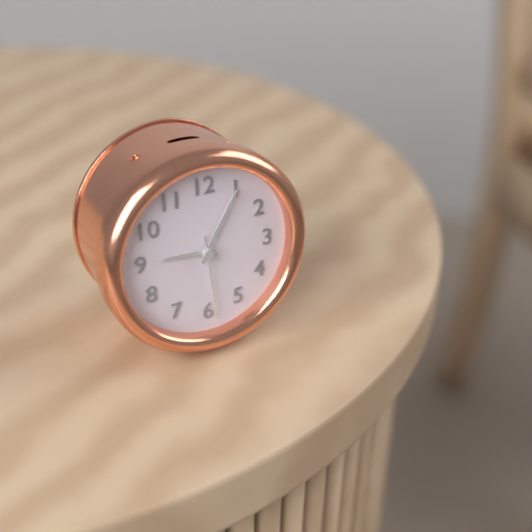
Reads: 9 h 05 min 29 s
